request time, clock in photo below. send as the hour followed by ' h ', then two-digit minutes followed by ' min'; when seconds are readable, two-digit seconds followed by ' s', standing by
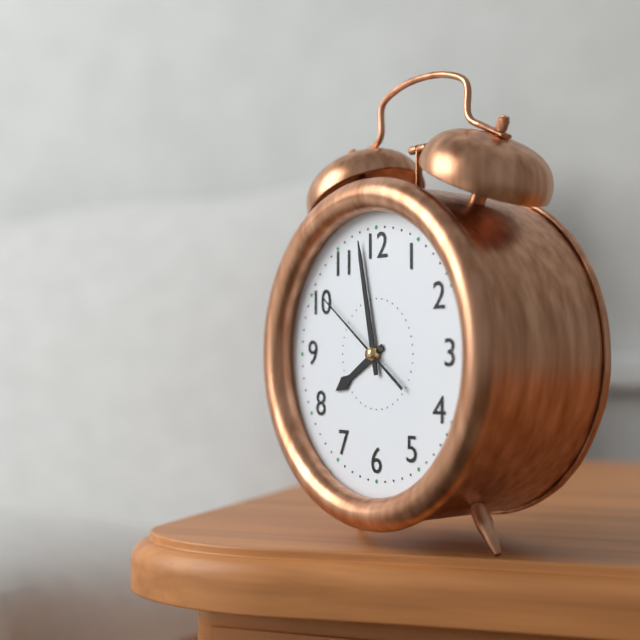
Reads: 7 h 58 min 51 s
